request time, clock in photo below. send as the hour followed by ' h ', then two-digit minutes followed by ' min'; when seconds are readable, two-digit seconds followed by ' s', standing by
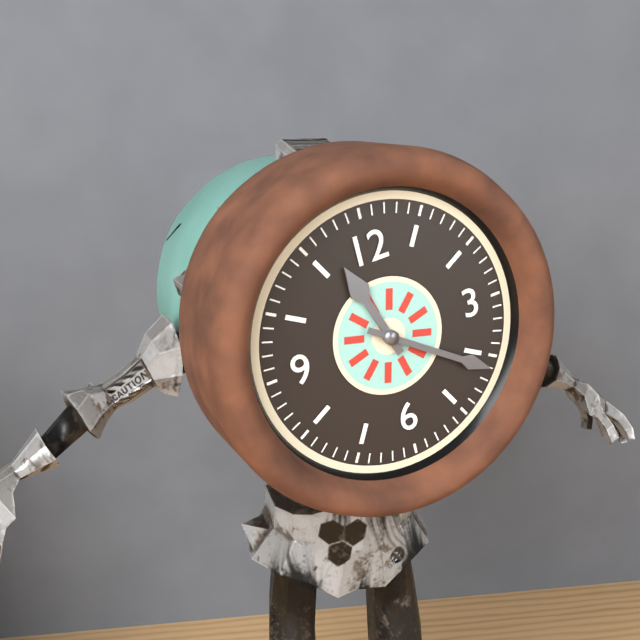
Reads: 11 h 21 min
